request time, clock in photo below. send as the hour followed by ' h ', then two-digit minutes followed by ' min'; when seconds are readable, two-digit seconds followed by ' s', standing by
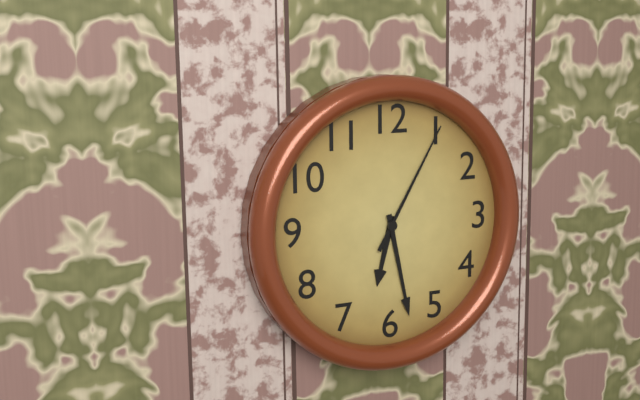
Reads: 6 h 28 min 05 s
